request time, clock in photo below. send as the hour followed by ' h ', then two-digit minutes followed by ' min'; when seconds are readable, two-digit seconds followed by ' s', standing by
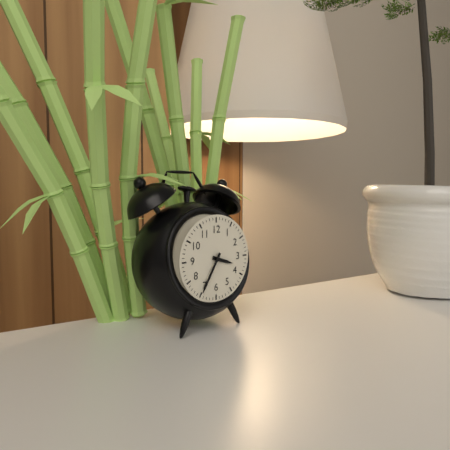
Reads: 3 h 35 min
